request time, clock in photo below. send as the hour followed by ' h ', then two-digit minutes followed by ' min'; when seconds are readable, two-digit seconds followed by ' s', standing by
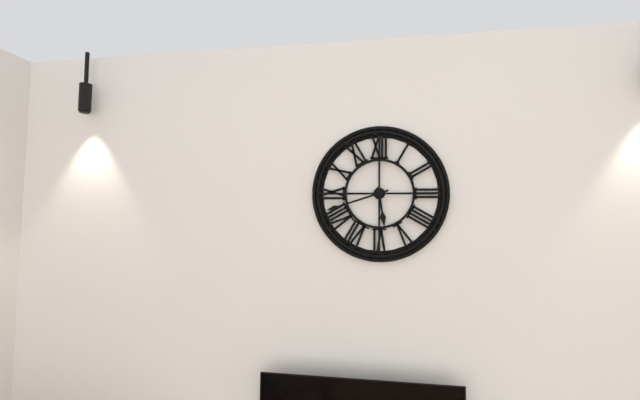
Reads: 5 h 42 min
